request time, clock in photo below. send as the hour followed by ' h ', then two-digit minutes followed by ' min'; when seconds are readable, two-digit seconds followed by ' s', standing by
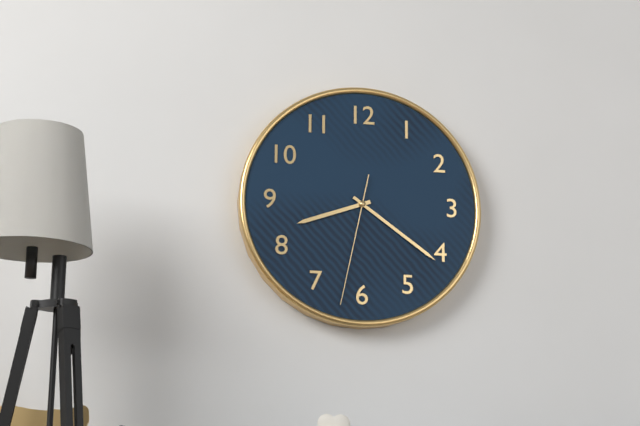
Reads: 8 h 21 min 32 s
